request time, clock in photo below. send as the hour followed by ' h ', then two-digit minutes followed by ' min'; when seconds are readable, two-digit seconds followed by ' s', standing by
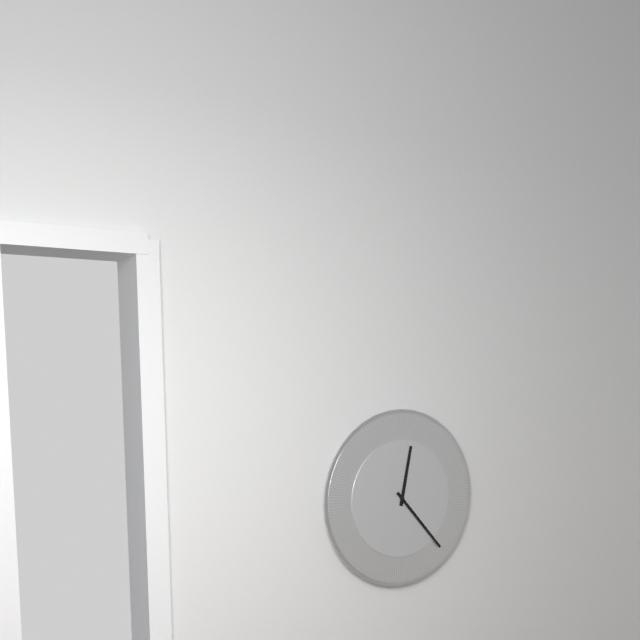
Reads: 12 h 23 min
